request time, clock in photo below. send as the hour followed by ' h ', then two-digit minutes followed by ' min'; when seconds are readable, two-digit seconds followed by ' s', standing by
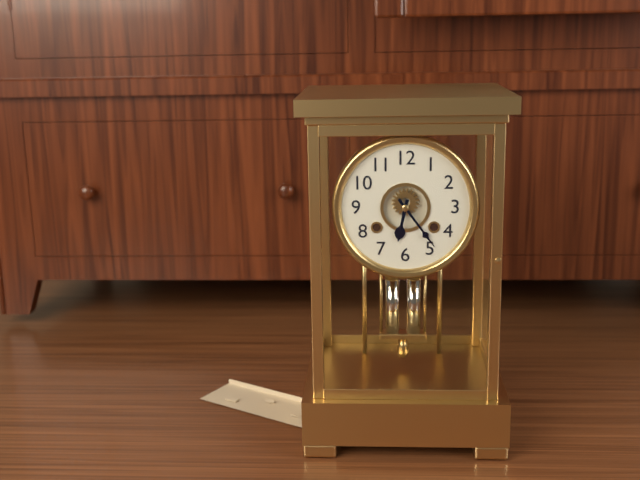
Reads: 6 h 24 min
